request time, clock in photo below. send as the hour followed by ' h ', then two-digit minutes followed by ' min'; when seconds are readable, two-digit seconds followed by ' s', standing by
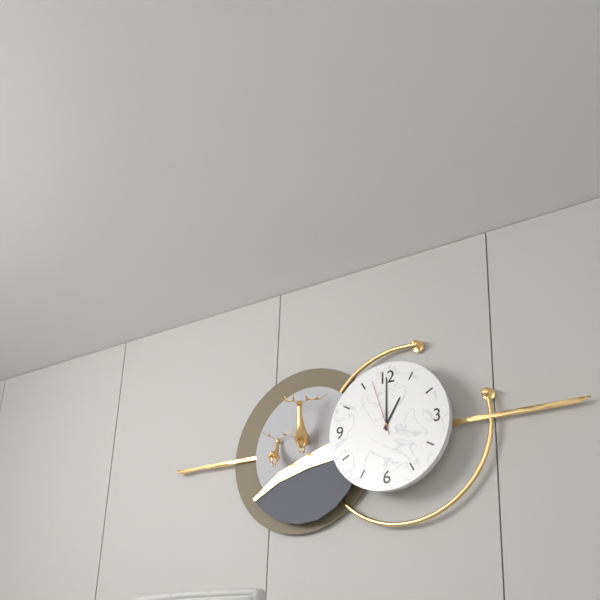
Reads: 1 h 00 min 57 s
